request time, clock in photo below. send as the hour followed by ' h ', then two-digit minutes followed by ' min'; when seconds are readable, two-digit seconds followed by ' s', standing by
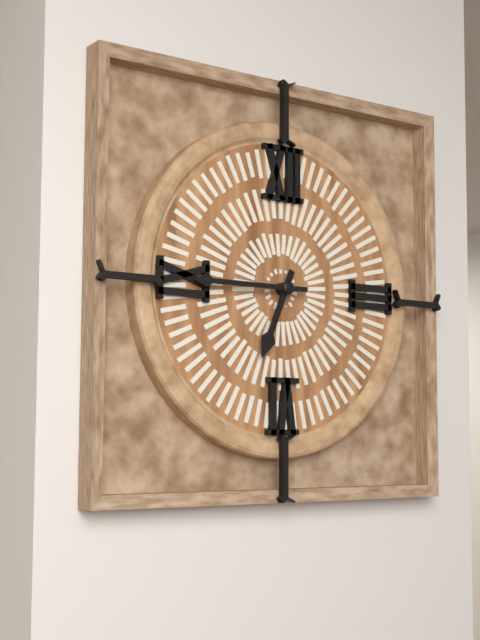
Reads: 6 h 45 min
